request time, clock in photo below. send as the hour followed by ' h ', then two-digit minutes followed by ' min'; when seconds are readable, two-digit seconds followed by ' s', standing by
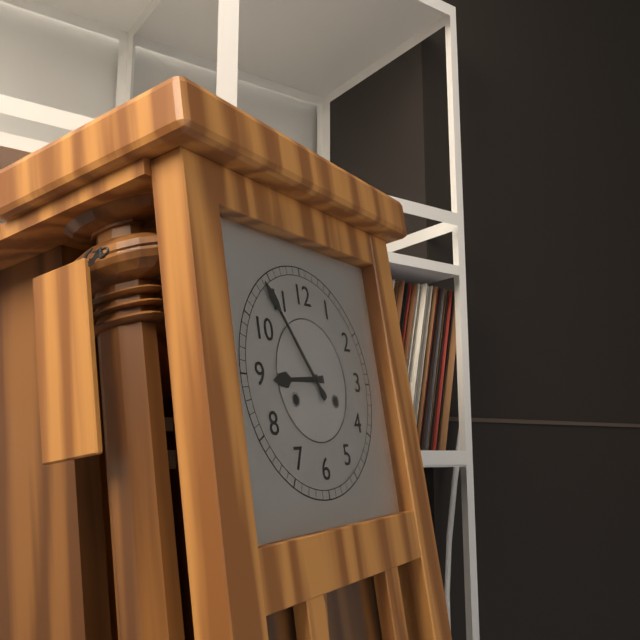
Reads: 8 h 54 min
